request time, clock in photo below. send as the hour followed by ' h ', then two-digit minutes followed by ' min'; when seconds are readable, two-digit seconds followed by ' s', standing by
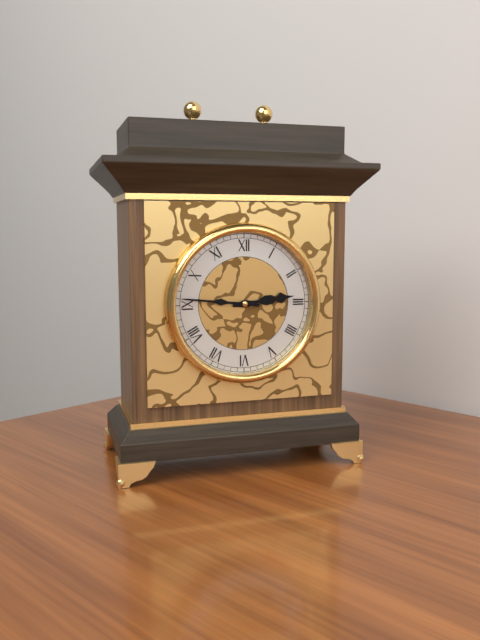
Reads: 2 h 46 min
